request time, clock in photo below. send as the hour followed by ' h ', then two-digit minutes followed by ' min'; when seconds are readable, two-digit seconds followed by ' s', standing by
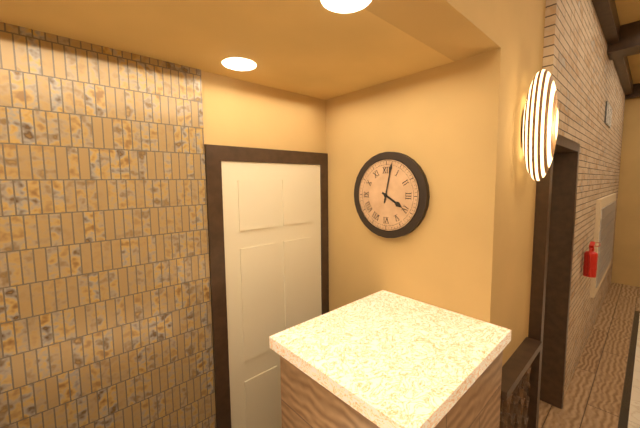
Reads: 4 h 02 min
